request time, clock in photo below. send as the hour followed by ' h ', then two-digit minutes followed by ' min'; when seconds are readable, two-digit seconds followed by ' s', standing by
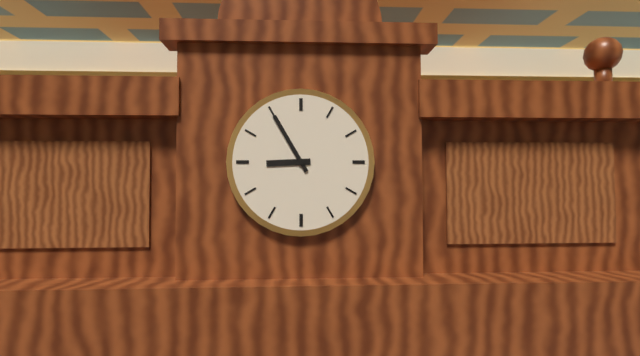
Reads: 8 h 55 min
